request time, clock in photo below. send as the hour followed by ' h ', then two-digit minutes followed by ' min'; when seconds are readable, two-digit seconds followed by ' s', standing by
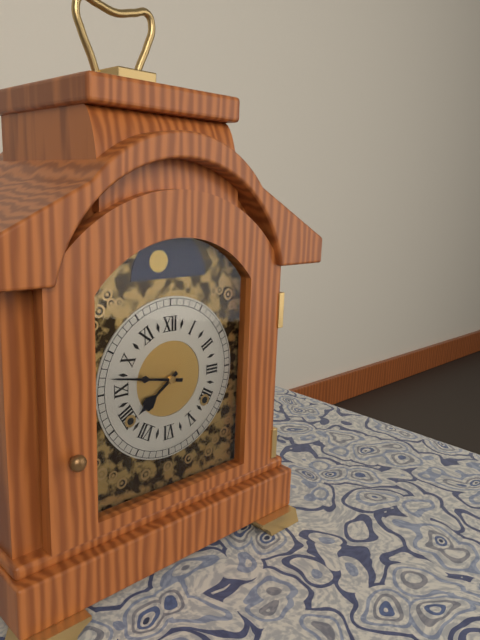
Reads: 7 h 47 min
